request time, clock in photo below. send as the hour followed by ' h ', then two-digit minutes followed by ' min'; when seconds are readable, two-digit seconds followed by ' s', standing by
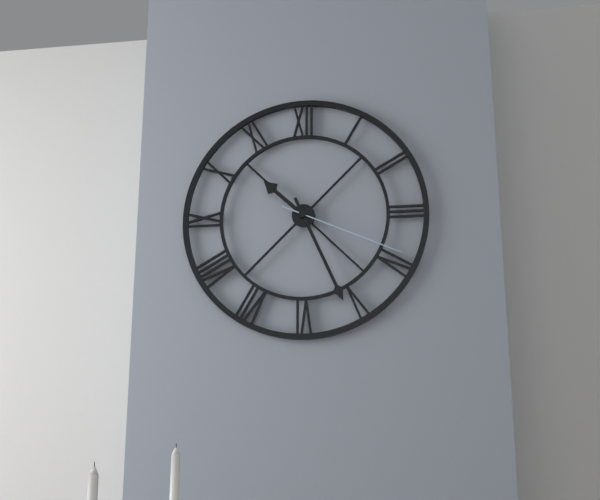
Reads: 10 h 26 min 19 s
